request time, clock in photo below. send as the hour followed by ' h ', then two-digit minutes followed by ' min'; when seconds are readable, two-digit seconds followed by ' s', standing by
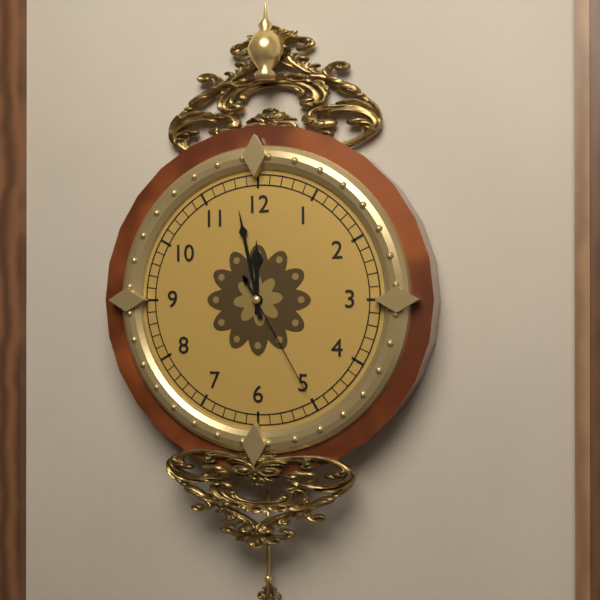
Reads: 11 h 58 min 25 s
